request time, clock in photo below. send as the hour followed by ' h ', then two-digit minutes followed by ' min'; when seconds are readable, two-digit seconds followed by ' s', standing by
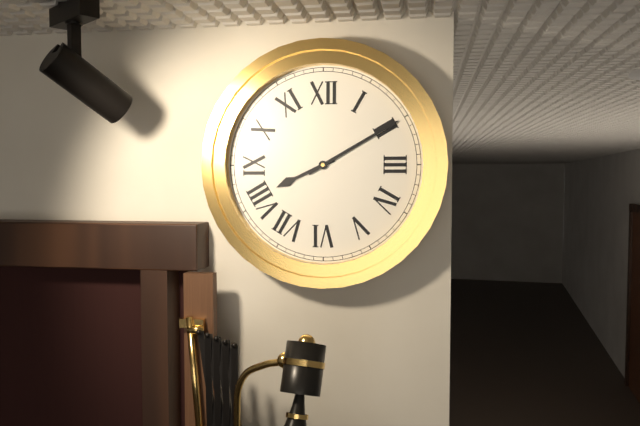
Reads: 8 h 10 min
